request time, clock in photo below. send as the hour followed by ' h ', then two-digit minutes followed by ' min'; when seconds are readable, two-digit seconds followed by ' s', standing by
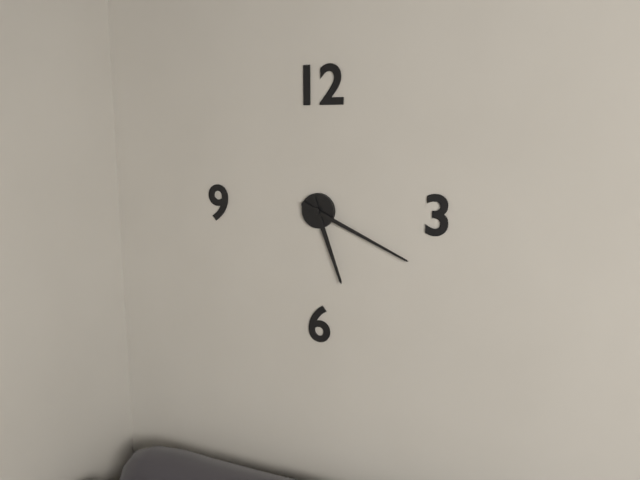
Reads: 5 h 19 min
